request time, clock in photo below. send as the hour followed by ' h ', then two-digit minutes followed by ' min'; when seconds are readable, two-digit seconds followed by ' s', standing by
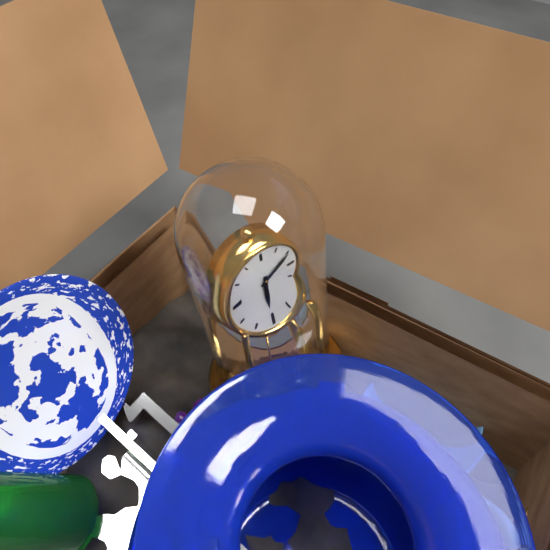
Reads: 6 h 10 min
